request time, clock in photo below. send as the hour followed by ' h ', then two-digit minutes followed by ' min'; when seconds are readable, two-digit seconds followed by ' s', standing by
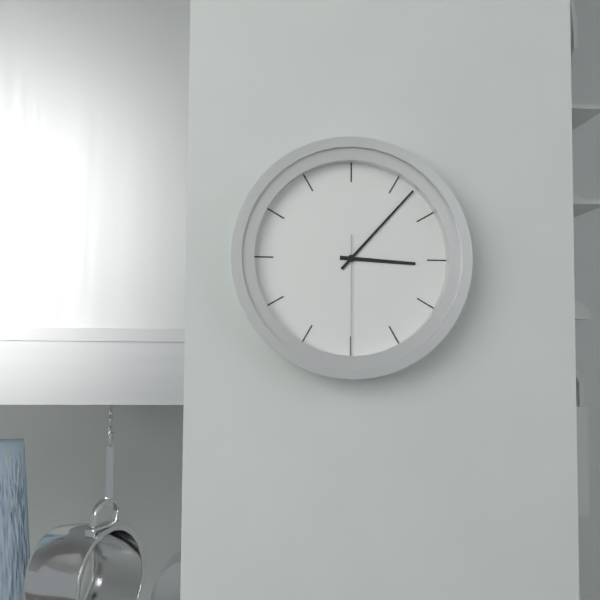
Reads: 3 h 07 min 30 s
